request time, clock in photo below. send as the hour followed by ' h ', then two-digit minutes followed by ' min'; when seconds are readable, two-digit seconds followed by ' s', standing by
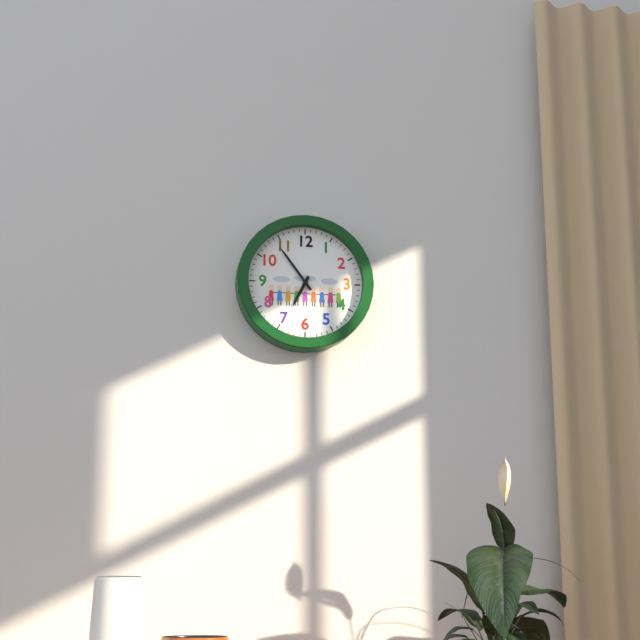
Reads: 6 h 54 min
